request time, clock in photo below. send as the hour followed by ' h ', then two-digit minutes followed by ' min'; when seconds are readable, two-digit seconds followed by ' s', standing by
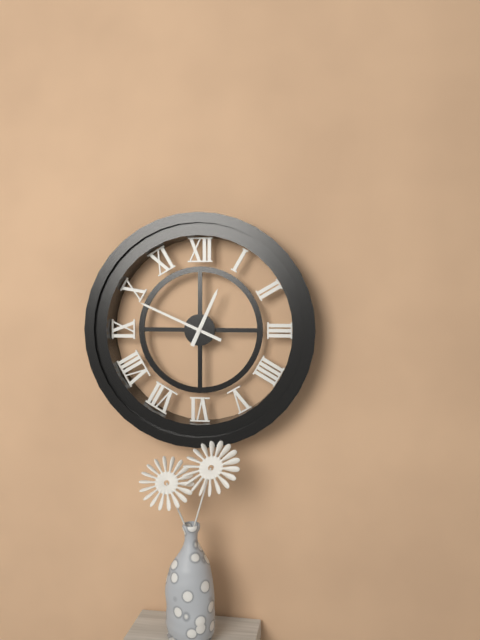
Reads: 12 h 49 min
